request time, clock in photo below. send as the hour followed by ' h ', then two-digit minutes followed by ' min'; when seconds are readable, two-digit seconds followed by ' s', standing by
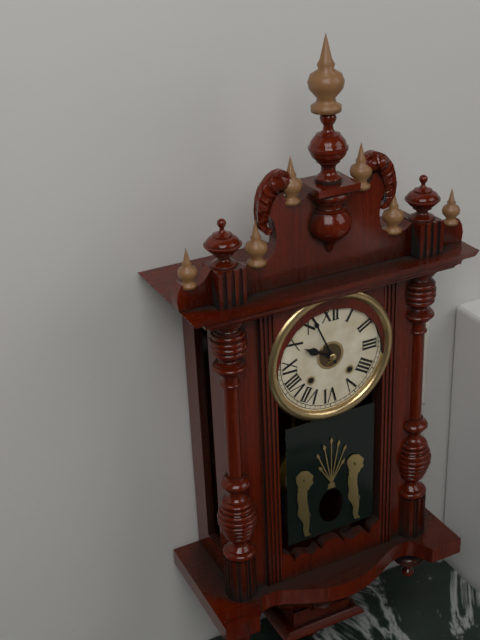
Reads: 9 h 56 min
